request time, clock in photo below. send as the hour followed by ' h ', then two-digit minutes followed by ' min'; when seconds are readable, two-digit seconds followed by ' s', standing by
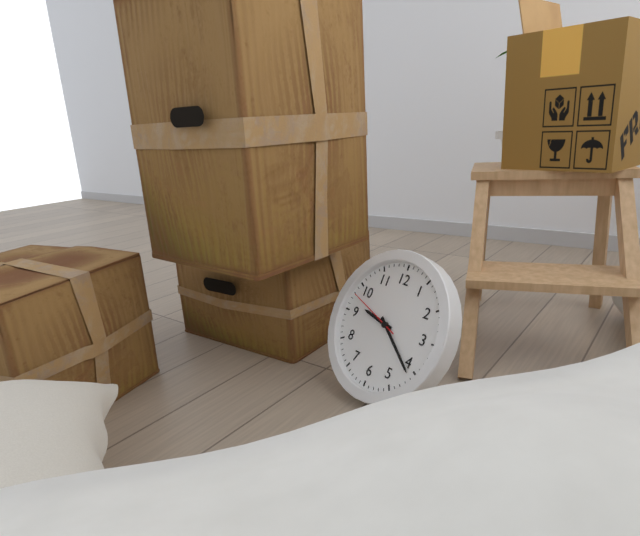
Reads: 9 h 21 min 48 s
